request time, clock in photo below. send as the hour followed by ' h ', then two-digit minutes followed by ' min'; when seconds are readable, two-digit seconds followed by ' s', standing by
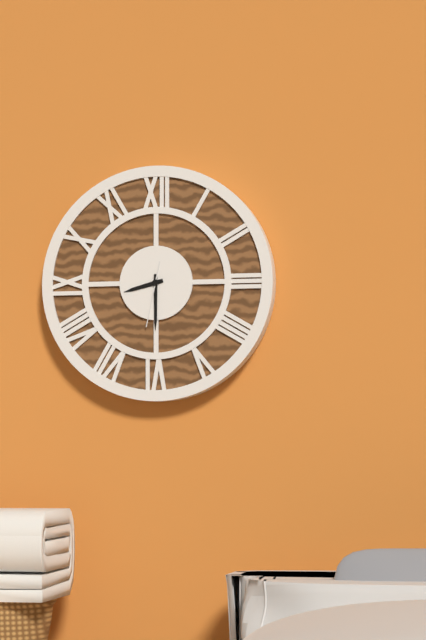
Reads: 8 h 30 min 32 s
